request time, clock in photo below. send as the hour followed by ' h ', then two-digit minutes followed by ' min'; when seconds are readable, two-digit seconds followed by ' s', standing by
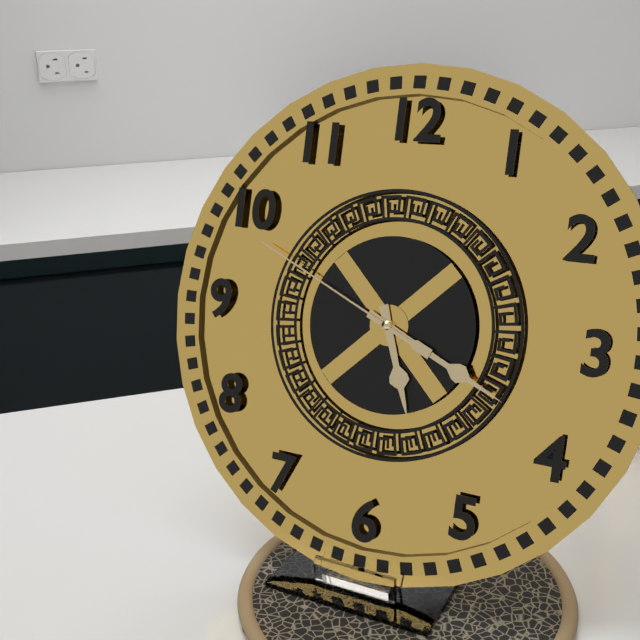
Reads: 5 h 19 min 49 s
